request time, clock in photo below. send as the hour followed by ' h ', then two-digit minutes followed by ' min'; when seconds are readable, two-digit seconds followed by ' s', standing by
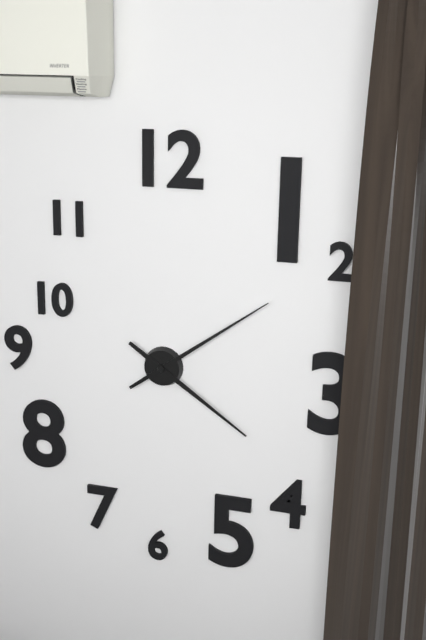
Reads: 4 h 09 min
